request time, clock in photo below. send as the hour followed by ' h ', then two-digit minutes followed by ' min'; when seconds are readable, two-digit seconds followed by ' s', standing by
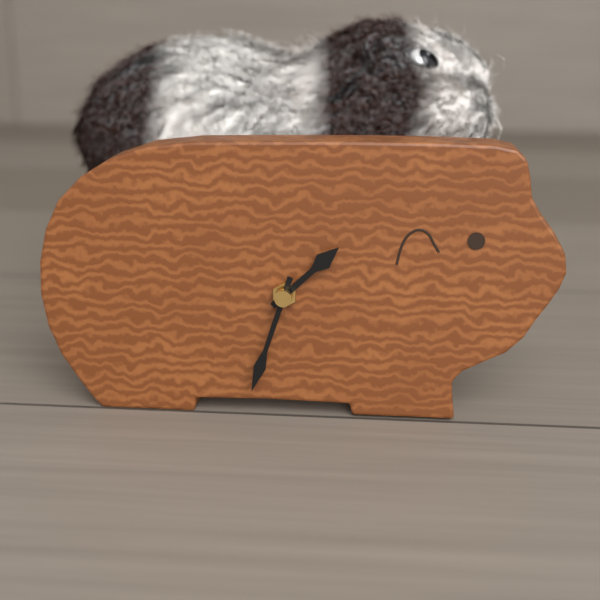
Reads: 1 h 33 min
